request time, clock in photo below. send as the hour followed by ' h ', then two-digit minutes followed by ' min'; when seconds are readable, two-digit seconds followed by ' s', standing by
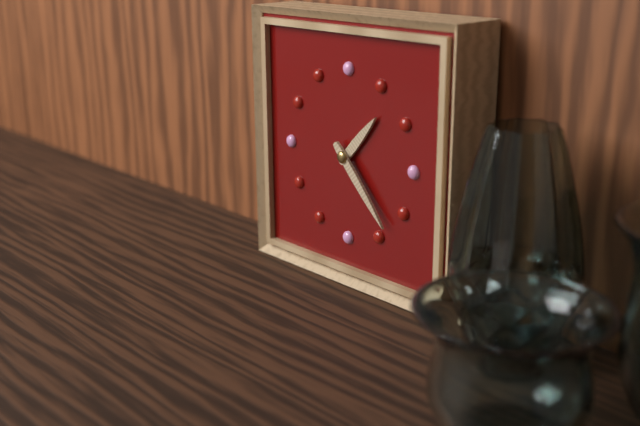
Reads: 1 h 23 min
